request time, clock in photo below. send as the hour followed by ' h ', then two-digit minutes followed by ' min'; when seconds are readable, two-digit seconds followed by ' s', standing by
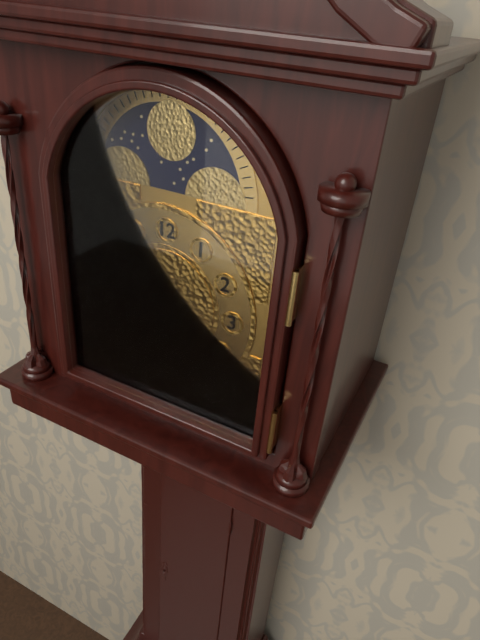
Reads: 5 h 52 min
